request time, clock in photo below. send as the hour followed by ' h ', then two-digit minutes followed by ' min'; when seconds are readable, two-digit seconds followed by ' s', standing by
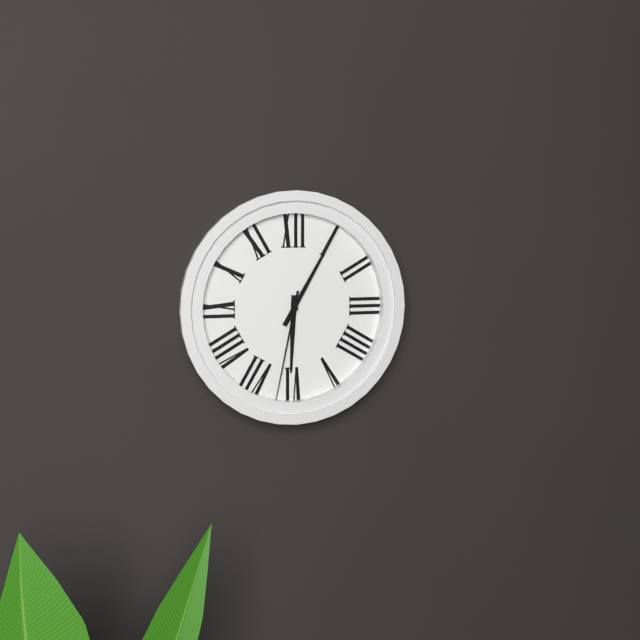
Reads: 6 h 05 min 32 s
